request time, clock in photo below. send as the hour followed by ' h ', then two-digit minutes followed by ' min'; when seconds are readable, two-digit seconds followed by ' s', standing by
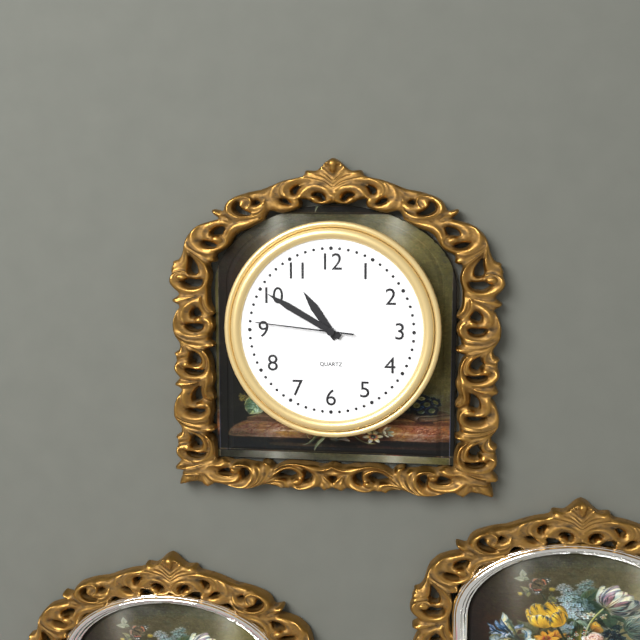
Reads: 10 h 50 min 46 s
